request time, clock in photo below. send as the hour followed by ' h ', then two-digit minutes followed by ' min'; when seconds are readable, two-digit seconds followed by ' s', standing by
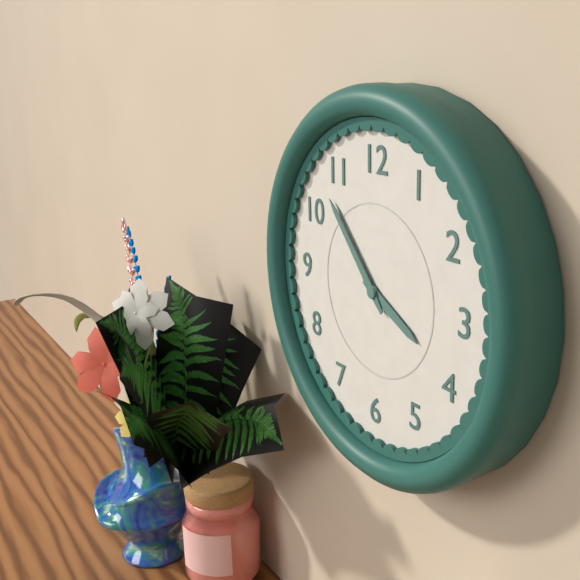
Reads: 3 h 53 min
